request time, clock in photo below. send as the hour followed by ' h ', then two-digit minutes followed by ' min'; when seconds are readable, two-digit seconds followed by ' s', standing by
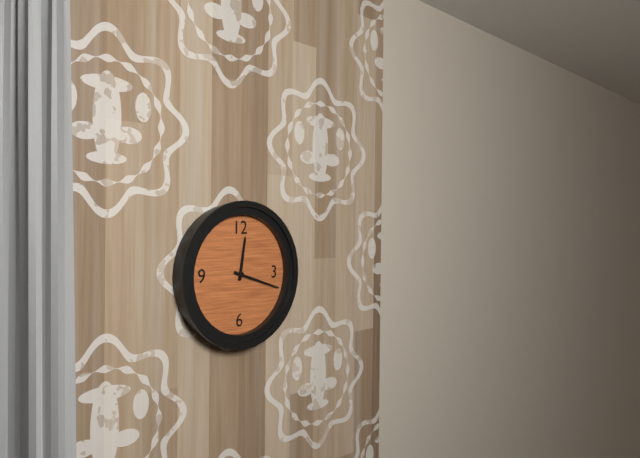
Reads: 12 h 18 min
